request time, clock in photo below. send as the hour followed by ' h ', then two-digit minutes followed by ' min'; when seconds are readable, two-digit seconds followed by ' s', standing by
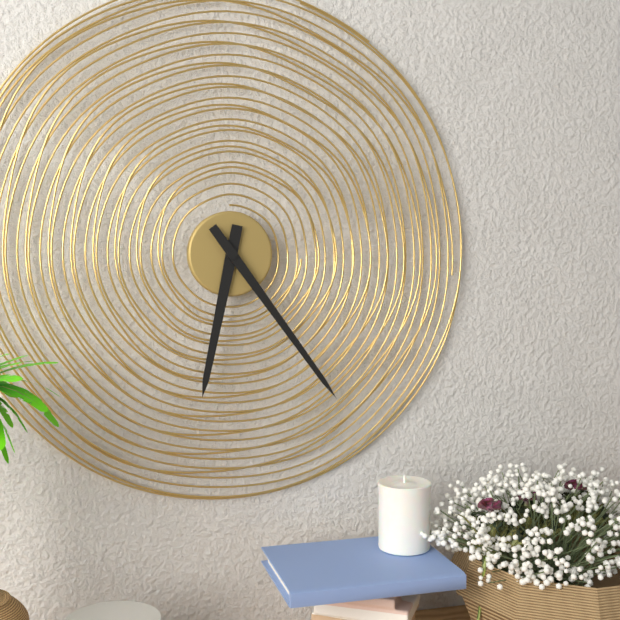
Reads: 6 h 24 min
